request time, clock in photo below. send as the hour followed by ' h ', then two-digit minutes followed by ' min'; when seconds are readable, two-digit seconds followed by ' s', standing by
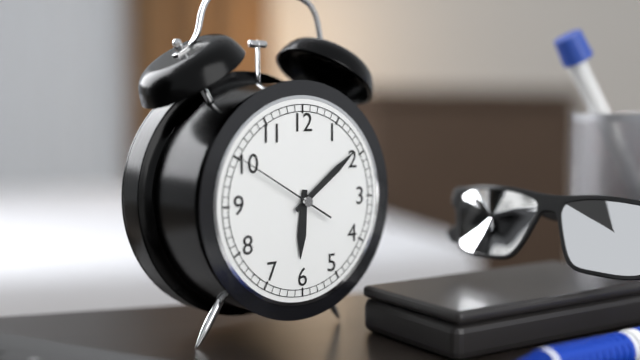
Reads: 6 h 09 min 50 s
